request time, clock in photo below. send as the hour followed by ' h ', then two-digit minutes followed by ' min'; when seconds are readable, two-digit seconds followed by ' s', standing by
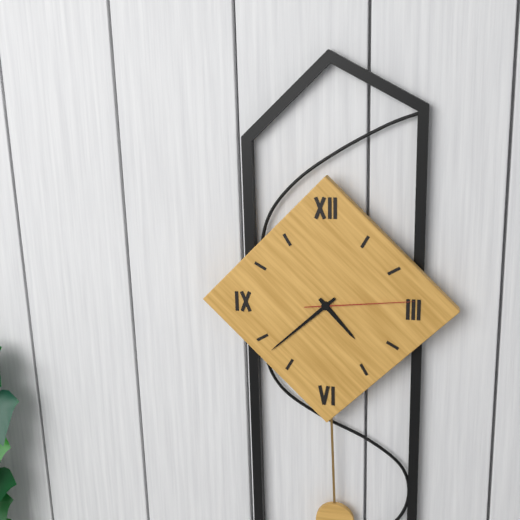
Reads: 4 h 38 min 14 s
